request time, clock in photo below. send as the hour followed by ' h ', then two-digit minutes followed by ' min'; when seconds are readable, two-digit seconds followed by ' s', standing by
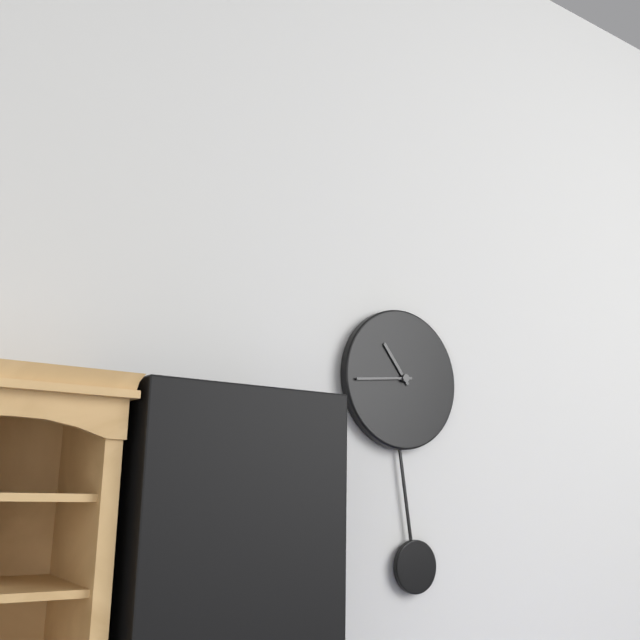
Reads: 10 h 44 min
